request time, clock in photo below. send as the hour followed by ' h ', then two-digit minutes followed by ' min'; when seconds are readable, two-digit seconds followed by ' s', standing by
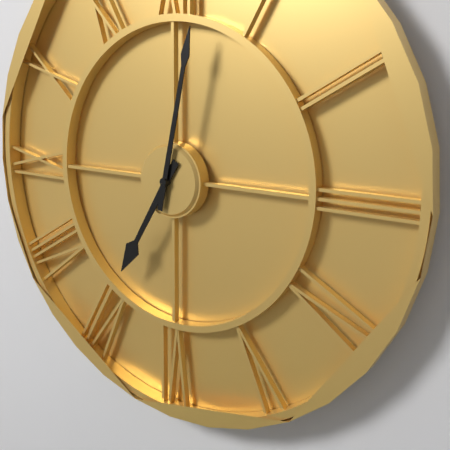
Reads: 7 h 02 min
